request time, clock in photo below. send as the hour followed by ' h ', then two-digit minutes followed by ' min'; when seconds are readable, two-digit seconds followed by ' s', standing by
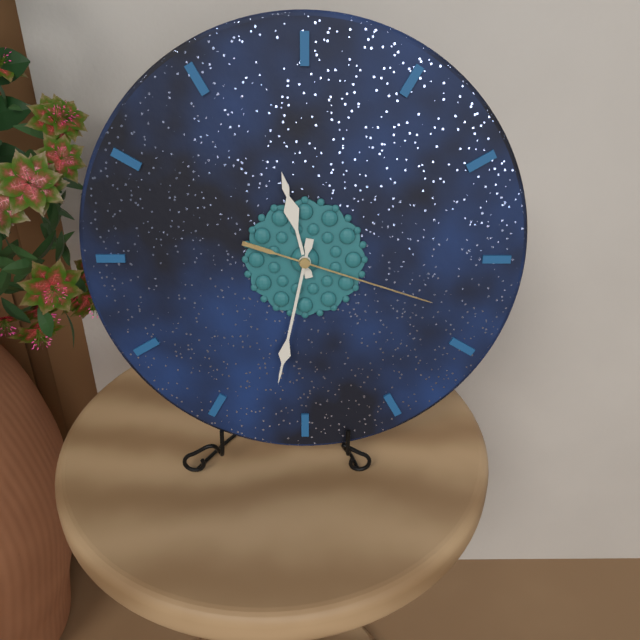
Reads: 11 h 32 min 18 s
